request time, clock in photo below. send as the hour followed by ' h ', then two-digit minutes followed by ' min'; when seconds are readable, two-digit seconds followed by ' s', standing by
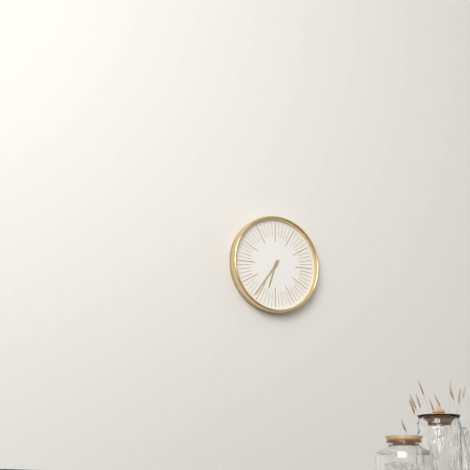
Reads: 6 h 36 min
